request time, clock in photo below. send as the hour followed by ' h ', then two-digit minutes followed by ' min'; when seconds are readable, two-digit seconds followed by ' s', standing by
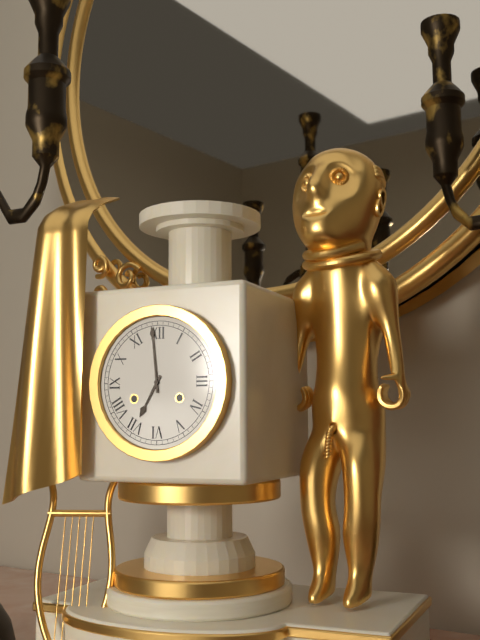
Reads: 6 h 59 min
